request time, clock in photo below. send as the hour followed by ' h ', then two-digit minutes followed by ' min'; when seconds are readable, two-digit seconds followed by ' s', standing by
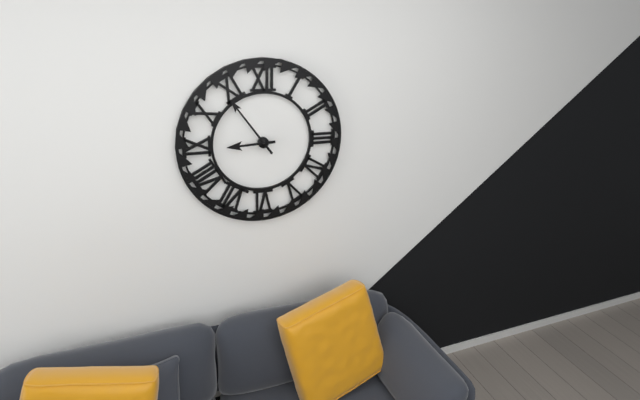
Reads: 8 h 54 min
